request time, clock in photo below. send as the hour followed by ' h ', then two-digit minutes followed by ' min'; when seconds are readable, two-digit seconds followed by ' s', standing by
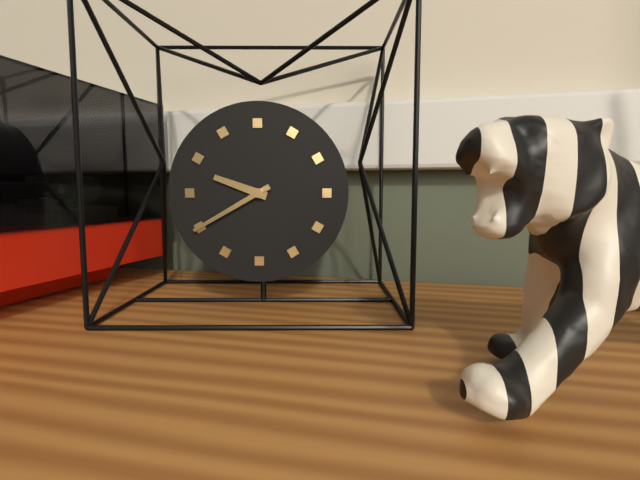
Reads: 9 h 40 min
